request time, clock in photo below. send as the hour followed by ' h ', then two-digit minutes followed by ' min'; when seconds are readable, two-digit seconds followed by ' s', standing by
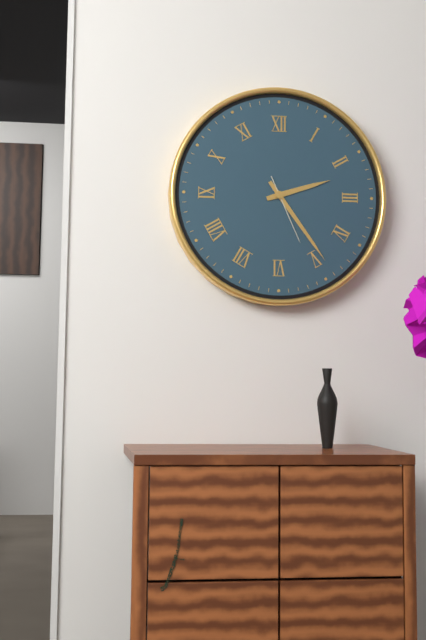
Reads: 2 h 24 min 26 s
